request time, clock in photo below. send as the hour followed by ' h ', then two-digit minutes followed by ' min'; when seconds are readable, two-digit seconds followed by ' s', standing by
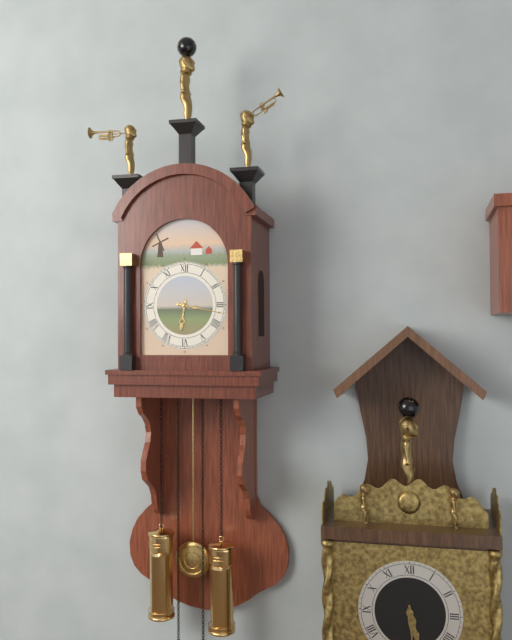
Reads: 6 h 17 min
